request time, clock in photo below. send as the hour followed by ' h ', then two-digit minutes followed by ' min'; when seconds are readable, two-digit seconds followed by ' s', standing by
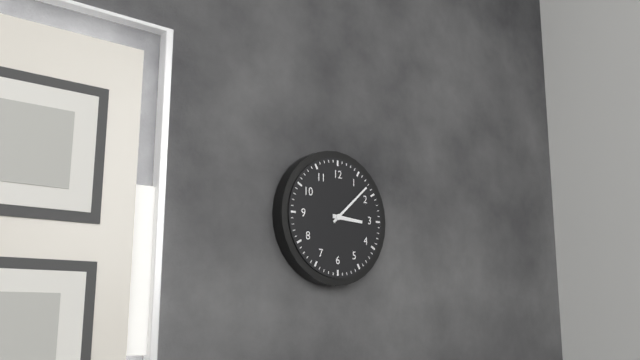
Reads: 3 h 08 min
